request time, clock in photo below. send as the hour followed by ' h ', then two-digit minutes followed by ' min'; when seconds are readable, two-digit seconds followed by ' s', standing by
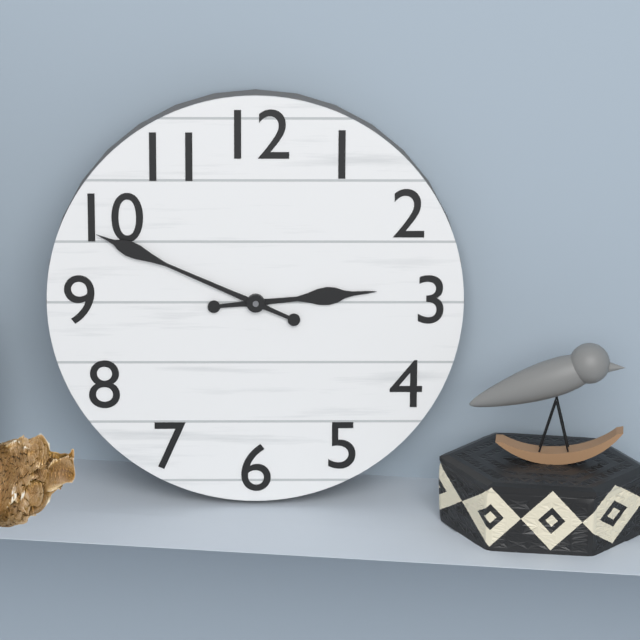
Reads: 2 h 49 min
